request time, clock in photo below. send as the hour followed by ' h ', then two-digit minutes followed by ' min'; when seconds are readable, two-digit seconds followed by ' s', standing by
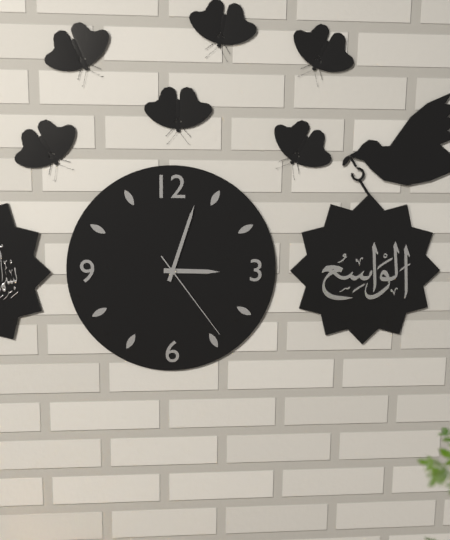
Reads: 3 h 03 min 24 s
